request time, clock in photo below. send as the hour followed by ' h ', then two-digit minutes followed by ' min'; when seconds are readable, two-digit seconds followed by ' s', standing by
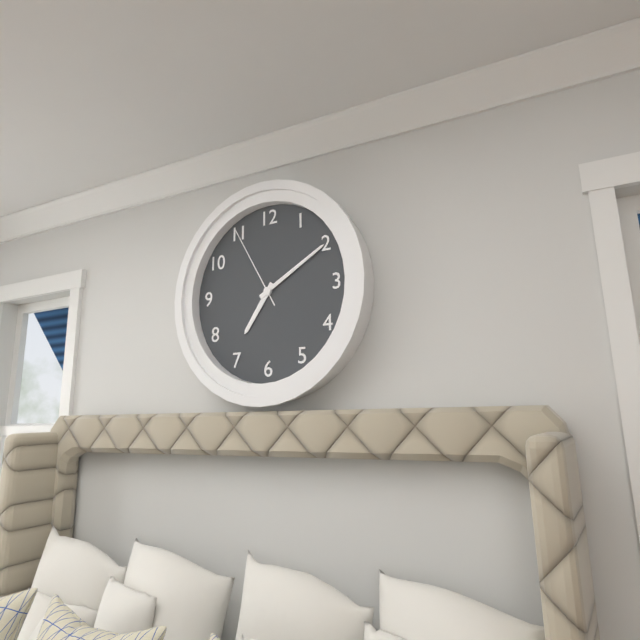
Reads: 7 h 10 min 55 s
